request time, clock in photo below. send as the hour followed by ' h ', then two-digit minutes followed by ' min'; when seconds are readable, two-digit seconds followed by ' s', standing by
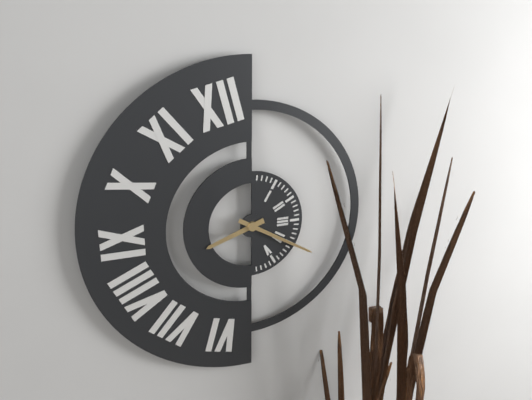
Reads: 8 h 20 min
